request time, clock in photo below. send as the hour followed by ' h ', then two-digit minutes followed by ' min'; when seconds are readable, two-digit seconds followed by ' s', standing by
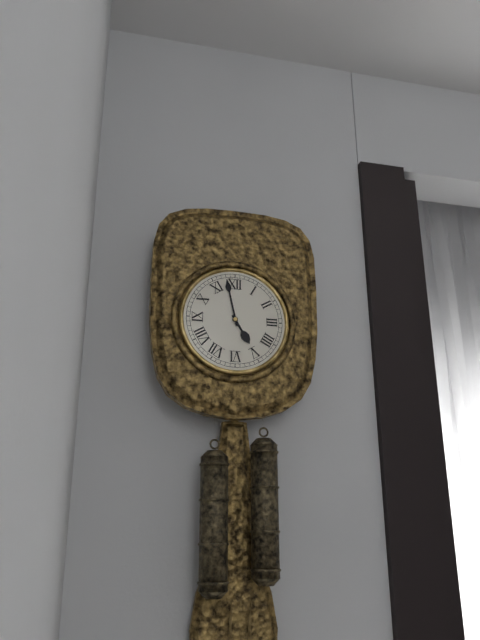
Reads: 4 h 58 min
